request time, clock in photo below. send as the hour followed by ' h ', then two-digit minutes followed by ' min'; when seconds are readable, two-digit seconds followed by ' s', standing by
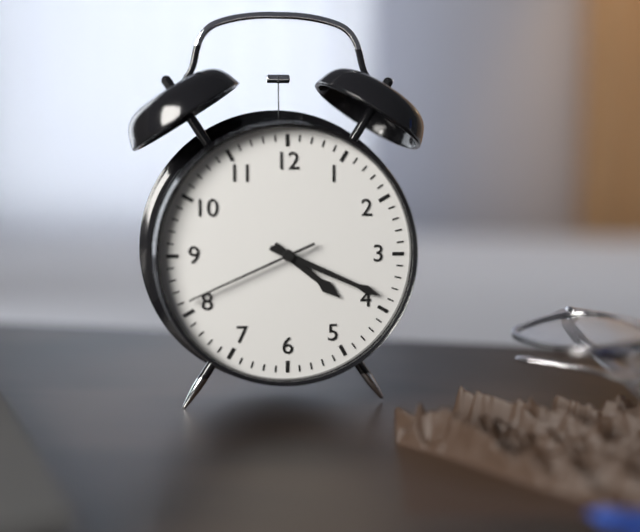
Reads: 4 h 19 min 41 s
